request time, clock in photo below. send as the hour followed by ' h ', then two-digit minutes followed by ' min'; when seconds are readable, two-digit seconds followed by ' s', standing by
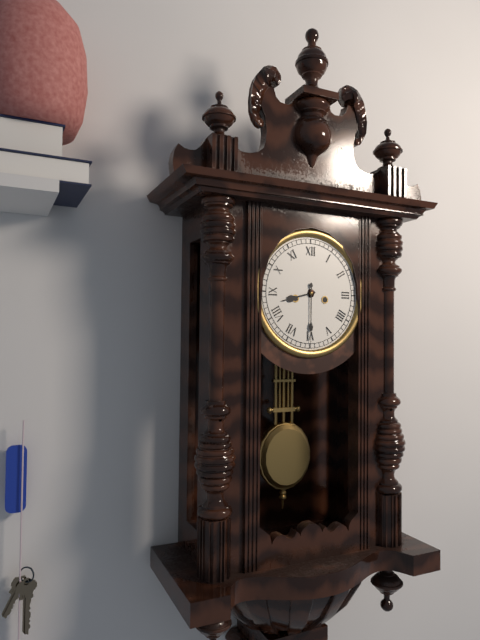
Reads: 8 h 30 min
